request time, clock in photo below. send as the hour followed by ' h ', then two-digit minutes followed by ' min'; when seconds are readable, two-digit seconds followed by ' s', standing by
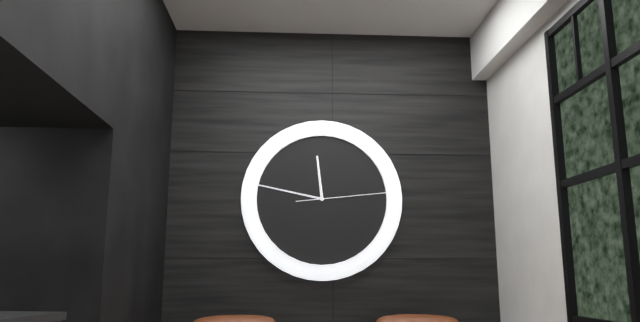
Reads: 11 h 47 min 14 s
